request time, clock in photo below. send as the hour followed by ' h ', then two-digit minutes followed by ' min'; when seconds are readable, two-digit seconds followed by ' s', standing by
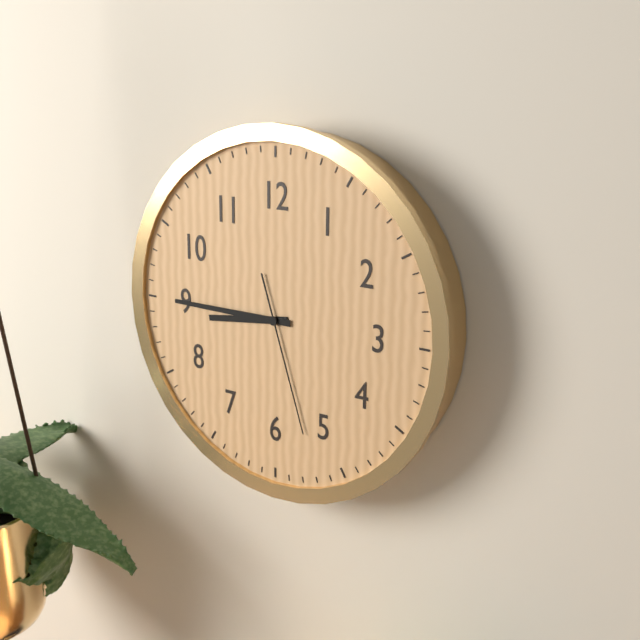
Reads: 8 h 45 min 27 s
